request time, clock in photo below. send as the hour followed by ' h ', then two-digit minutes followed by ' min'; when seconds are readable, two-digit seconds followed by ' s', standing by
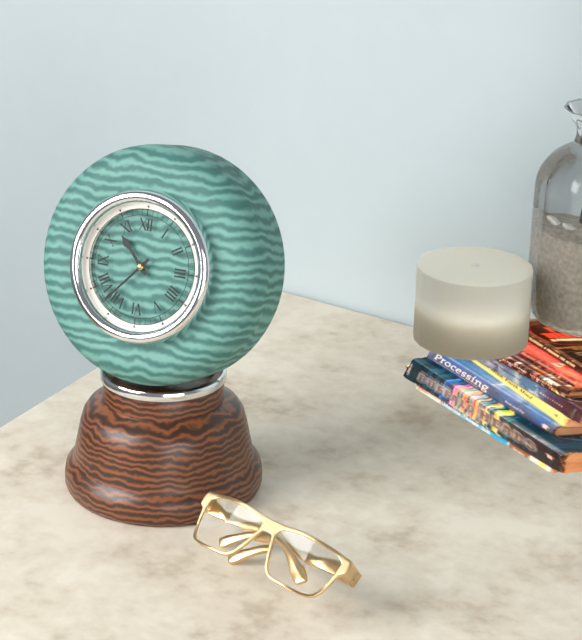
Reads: 10 h 37 min
